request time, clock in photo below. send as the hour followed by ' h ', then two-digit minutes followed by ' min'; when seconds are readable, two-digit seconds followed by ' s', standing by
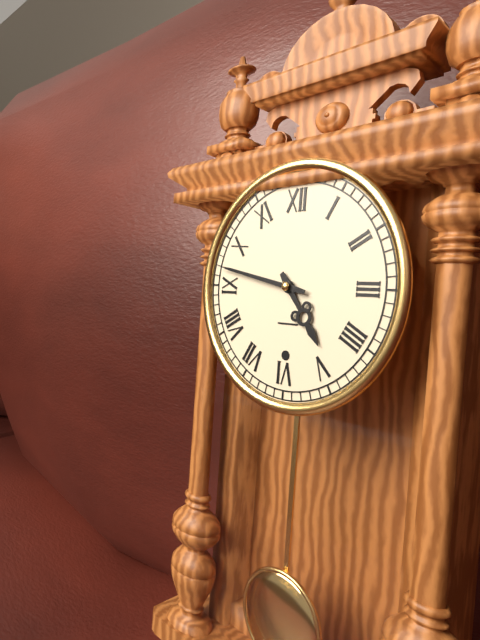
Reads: 4 h 47 min
